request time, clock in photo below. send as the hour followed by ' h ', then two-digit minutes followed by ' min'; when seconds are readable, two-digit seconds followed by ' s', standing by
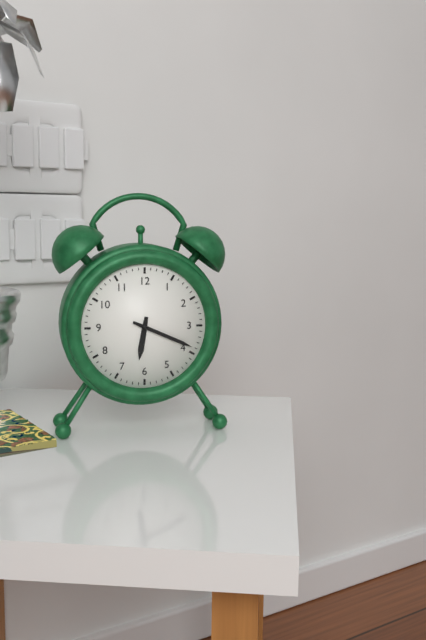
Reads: 6 h 19 min
